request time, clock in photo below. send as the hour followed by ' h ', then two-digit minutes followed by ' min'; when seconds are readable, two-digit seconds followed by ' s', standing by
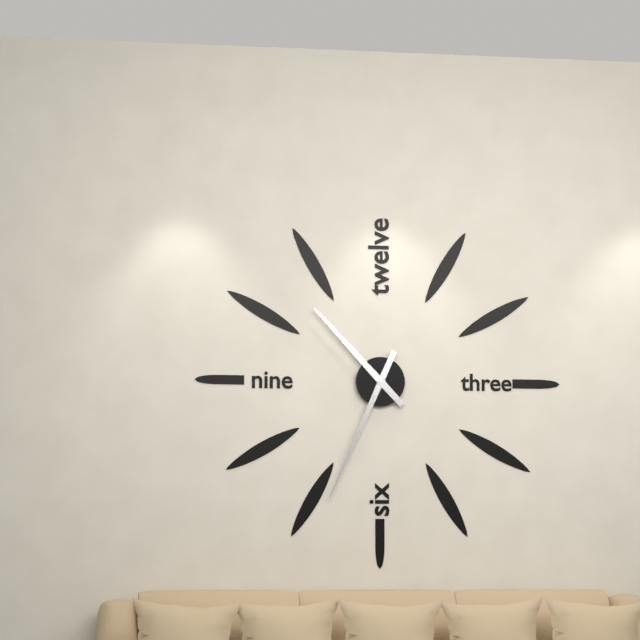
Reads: 10 h 34 min
